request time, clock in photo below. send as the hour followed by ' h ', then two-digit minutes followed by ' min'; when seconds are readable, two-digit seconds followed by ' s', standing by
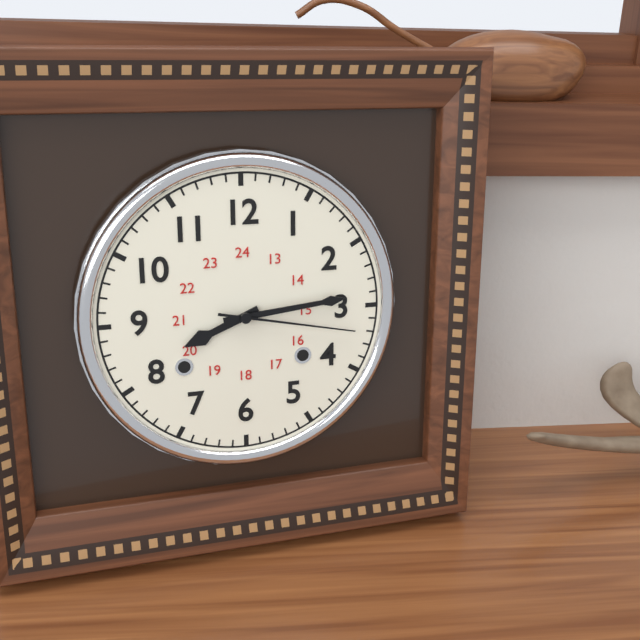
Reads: 8 h 14 min 17 s
